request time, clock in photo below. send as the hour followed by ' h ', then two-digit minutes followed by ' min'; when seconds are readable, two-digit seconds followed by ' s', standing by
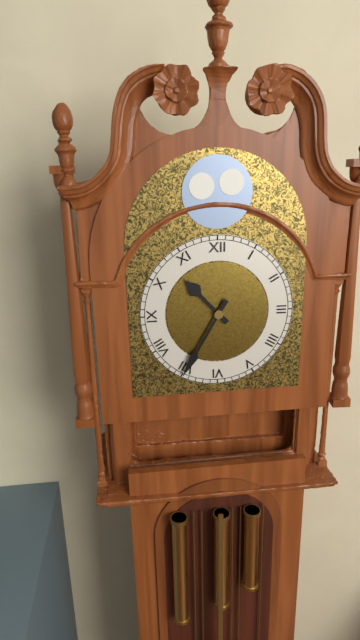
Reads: 10 h 35 min
